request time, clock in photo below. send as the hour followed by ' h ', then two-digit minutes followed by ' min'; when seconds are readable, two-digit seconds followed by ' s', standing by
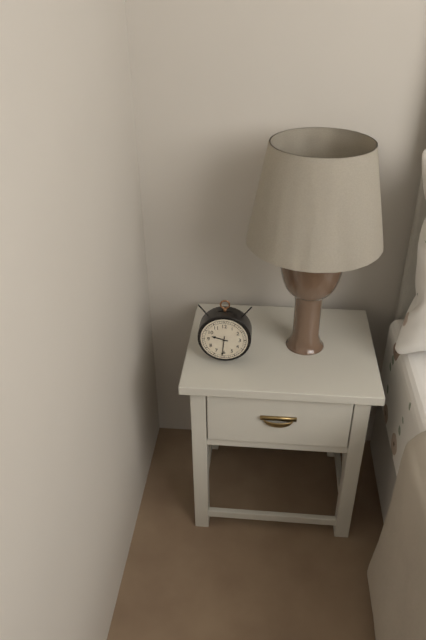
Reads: 9 h 31 min
